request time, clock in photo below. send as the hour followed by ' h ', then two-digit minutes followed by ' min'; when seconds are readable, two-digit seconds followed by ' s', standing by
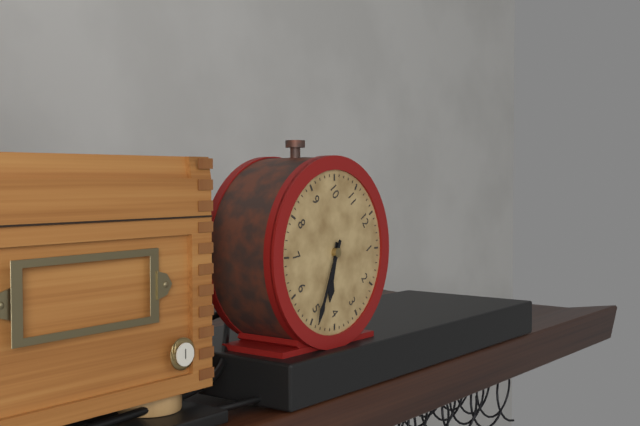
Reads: 4 h 24 min
